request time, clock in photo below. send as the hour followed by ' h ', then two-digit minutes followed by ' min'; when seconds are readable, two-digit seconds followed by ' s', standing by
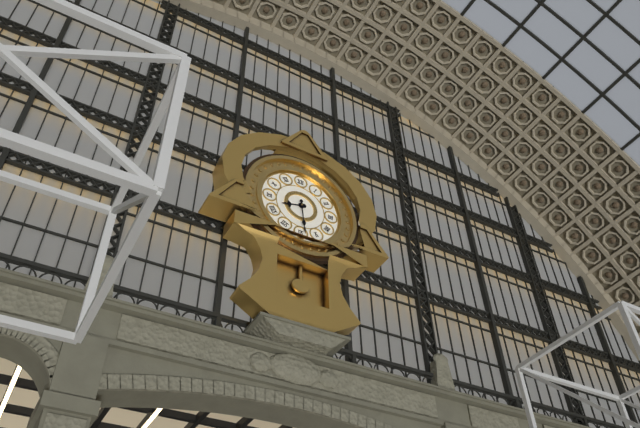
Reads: 8 h 29 min
